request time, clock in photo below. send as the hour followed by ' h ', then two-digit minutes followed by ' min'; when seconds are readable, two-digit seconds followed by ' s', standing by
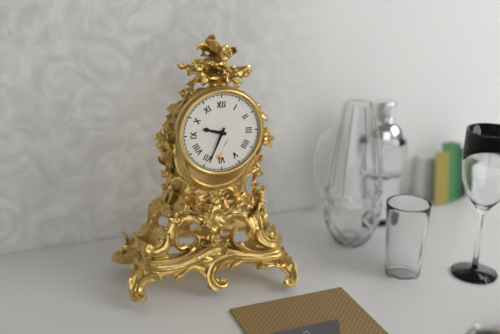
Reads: 9 h 34 min
